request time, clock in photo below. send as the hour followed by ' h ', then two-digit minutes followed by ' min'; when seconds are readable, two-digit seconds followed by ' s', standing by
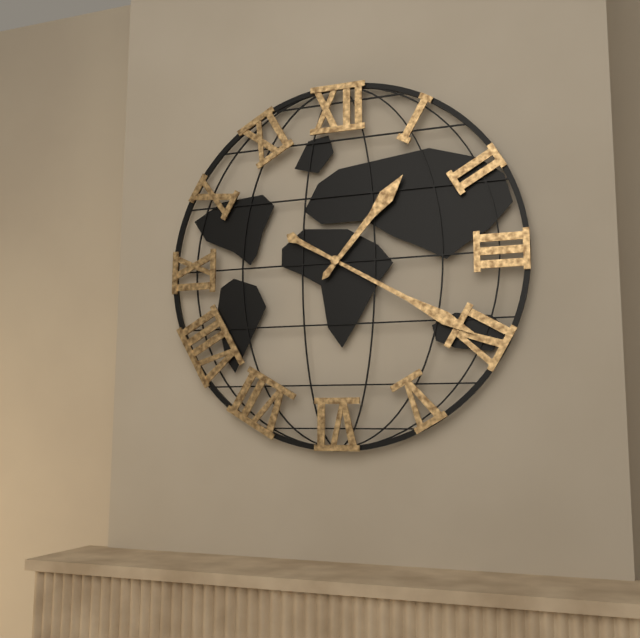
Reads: 1 h 20 min
